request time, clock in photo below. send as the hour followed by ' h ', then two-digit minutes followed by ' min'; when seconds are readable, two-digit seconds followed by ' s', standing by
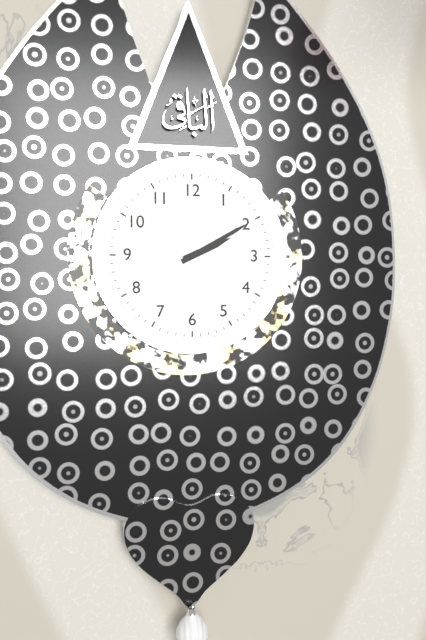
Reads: 2 h 10 min
